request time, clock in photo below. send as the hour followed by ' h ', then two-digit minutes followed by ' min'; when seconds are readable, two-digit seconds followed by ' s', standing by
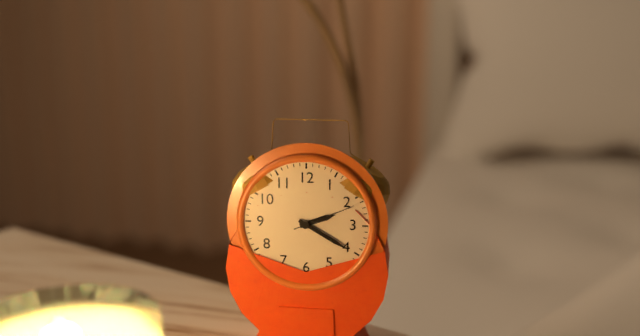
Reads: 2 h 20 min 11 s
